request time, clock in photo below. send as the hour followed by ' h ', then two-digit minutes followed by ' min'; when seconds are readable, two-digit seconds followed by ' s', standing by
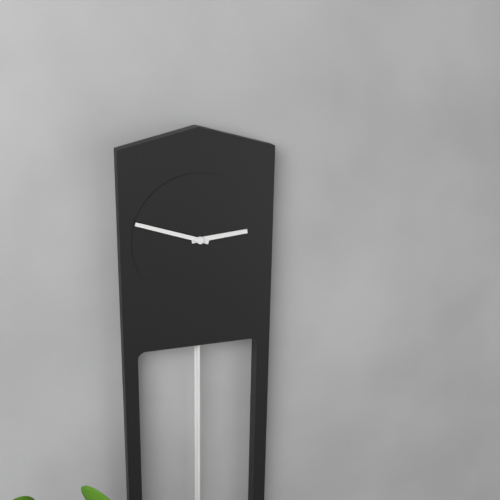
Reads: 2 h 48 min
